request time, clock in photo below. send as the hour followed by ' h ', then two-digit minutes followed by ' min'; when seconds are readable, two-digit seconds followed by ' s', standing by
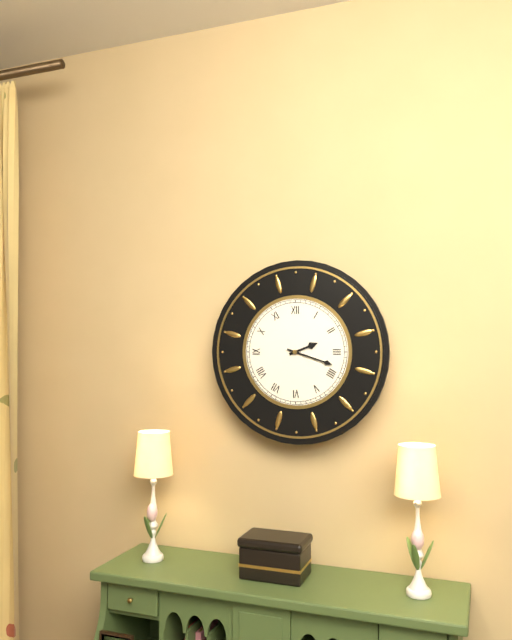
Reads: 2 h 18 min
